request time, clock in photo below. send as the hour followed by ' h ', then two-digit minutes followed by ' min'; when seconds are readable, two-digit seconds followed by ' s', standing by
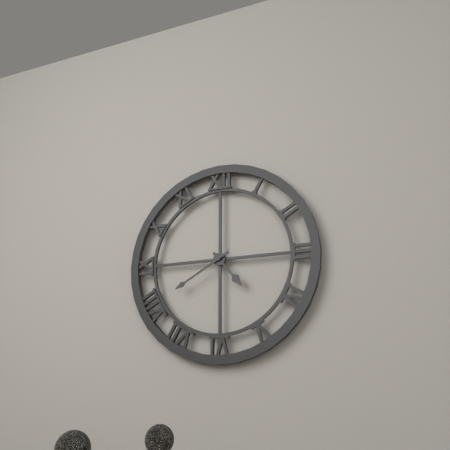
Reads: 4 h 40 min
